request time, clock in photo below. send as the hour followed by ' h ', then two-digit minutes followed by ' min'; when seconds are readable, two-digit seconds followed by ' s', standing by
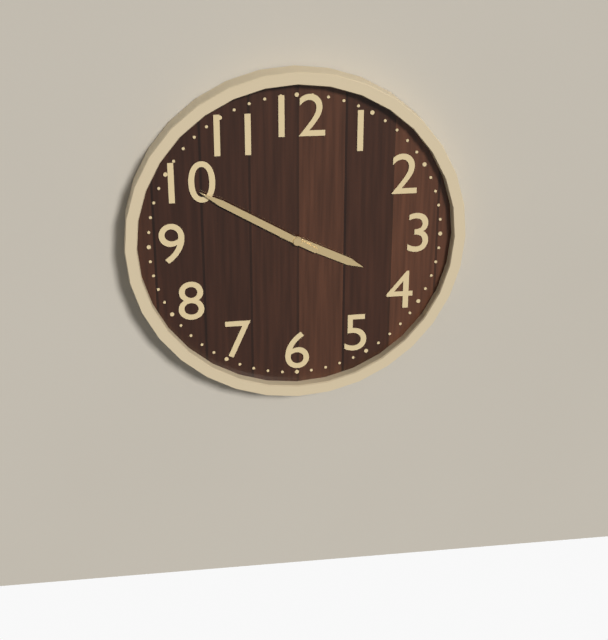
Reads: 3 h 50 min
